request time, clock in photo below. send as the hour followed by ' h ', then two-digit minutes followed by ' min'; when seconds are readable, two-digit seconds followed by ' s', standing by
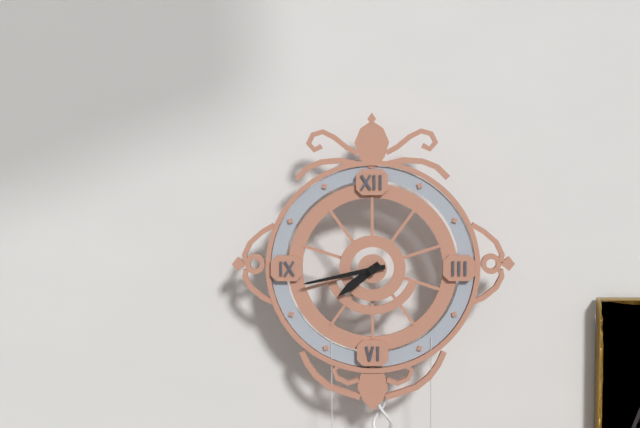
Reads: 7 h 43 min
